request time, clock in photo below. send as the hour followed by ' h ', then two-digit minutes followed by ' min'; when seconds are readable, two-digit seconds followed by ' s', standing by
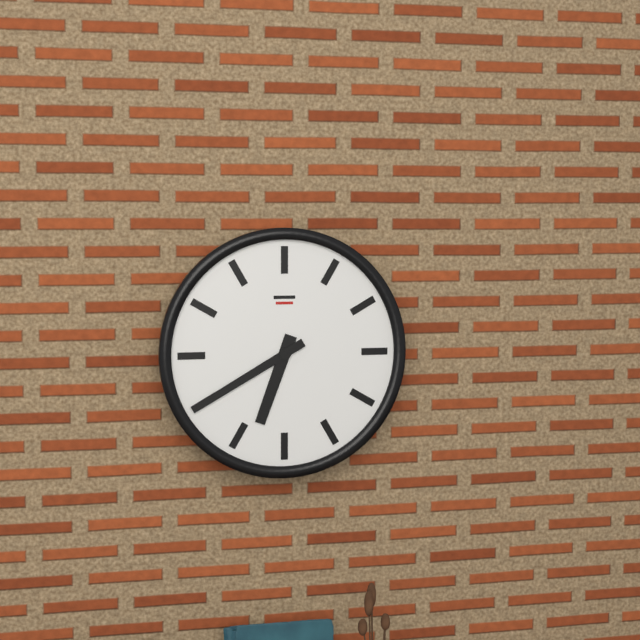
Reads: 6 h 40 min
